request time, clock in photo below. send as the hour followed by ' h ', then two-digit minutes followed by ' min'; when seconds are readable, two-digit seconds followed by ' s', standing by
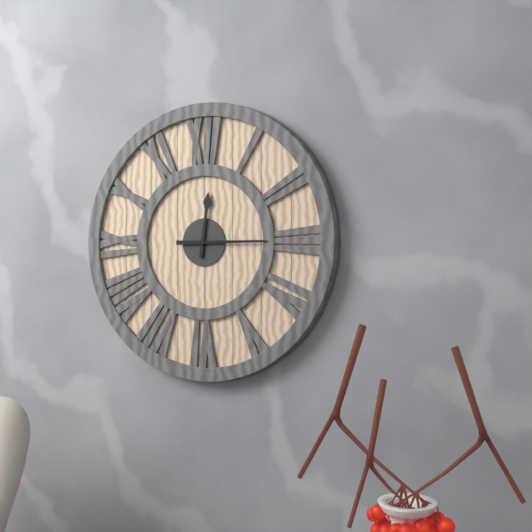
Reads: 12 h 15 min
